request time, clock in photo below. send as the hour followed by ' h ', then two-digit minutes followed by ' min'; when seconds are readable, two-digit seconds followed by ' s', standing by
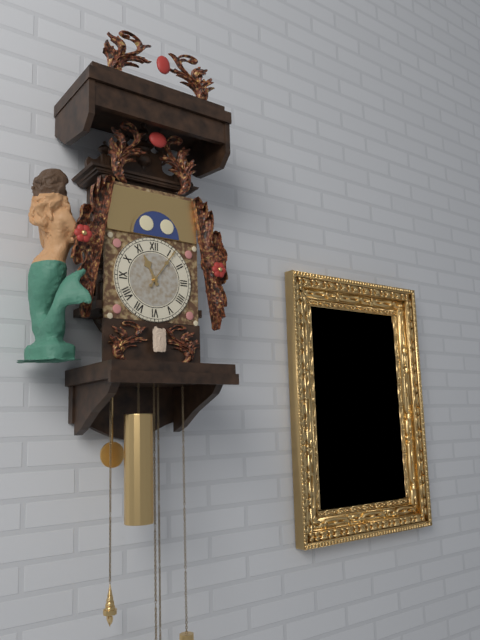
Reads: 11 h 06 min
